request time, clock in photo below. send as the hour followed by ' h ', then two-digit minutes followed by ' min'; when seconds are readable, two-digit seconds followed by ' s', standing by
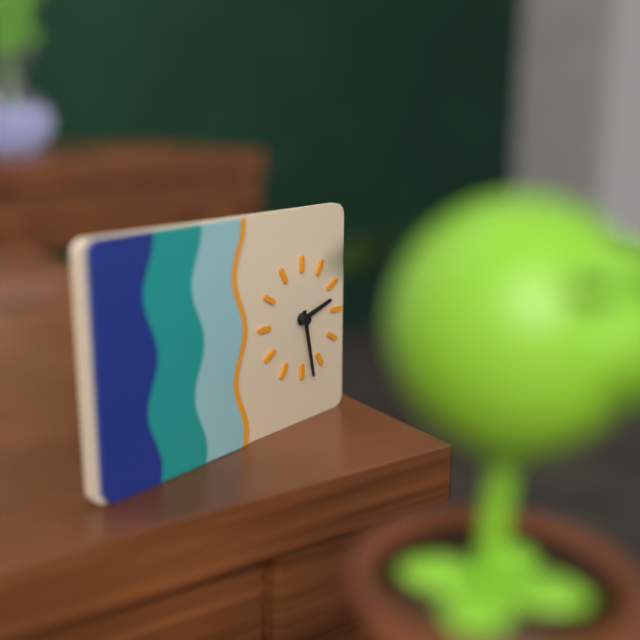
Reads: 2 h 28 min
